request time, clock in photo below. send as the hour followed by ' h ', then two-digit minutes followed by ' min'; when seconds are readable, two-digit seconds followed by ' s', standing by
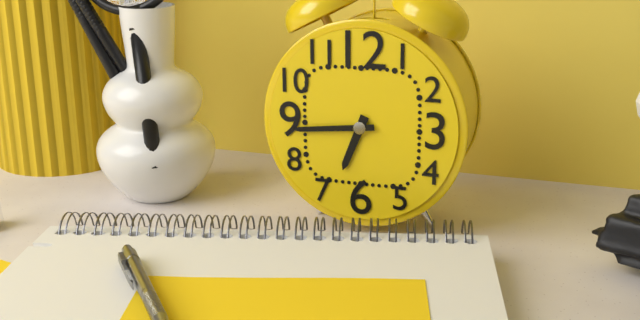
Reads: 6 h 44 min
